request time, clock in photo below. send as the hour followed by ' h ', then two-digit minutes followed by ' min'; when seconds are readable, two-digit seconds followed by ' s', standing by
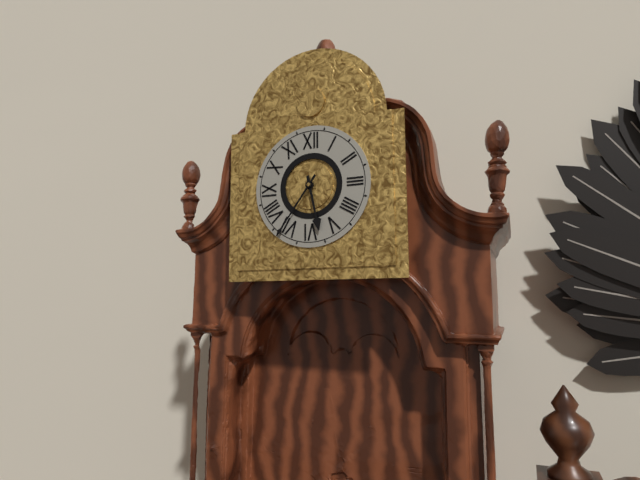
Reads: 5 h 36 min
